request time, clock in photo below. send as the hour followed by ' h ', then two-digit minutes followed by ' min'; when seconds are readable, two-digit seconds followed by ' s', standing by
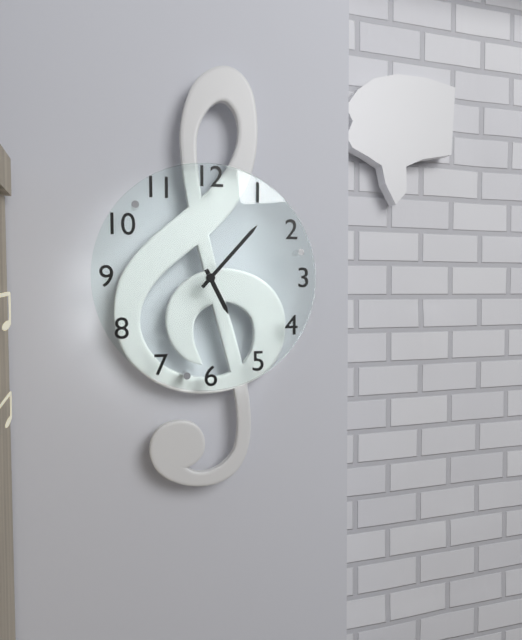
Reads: 5 h 07 min
